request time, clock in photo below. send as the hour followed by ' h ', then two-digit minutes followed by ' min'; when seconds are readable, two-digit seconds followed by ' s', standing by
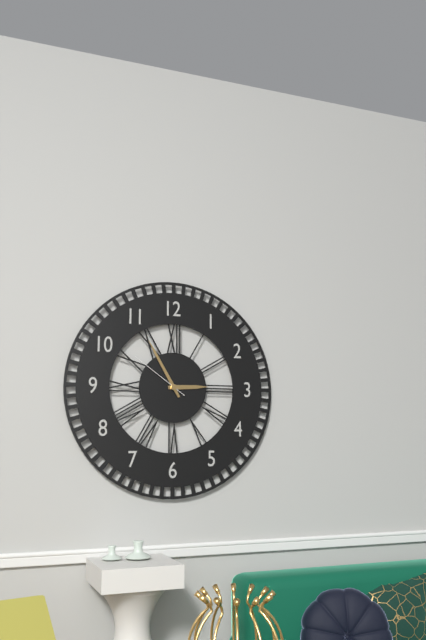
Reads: 2 h 55 min 51 s
